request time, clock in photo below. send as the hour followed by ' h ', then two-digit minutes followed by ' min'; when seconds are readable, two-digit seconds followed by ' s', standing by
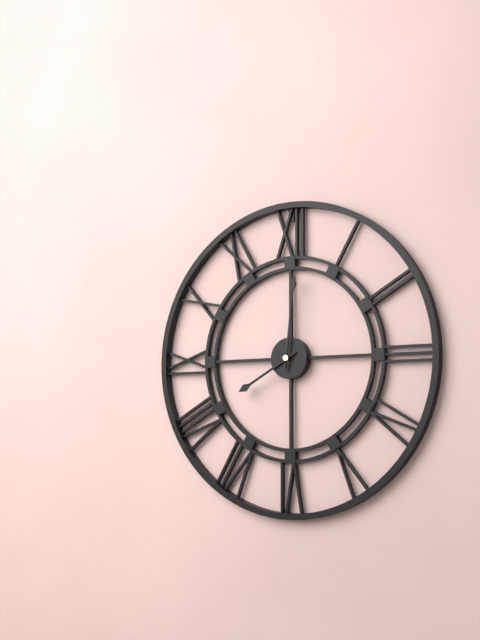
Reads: 8 h 01 min
